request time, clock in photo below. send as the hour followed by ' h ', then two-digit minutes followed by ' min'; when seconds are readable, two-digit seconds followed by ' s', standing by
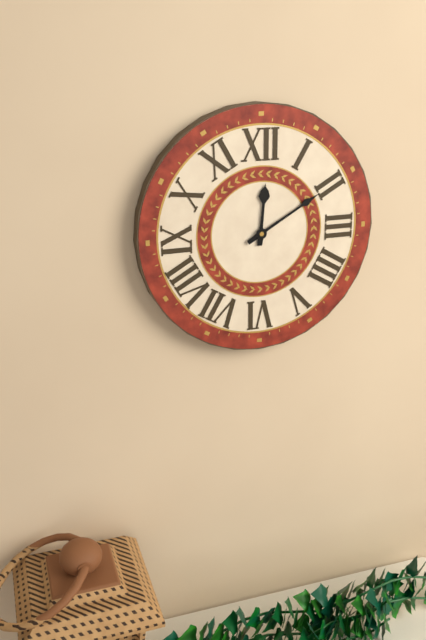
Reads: 12 h 10 min
